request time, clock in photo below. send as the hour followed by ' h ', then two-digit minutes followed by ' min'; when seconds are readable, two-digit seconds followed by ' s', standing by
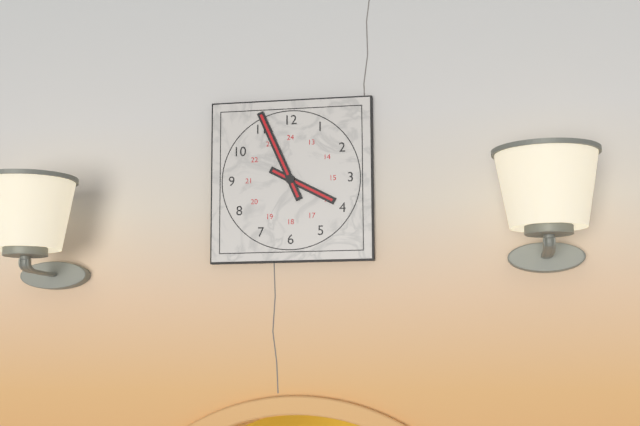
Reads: 3 h 56 min
